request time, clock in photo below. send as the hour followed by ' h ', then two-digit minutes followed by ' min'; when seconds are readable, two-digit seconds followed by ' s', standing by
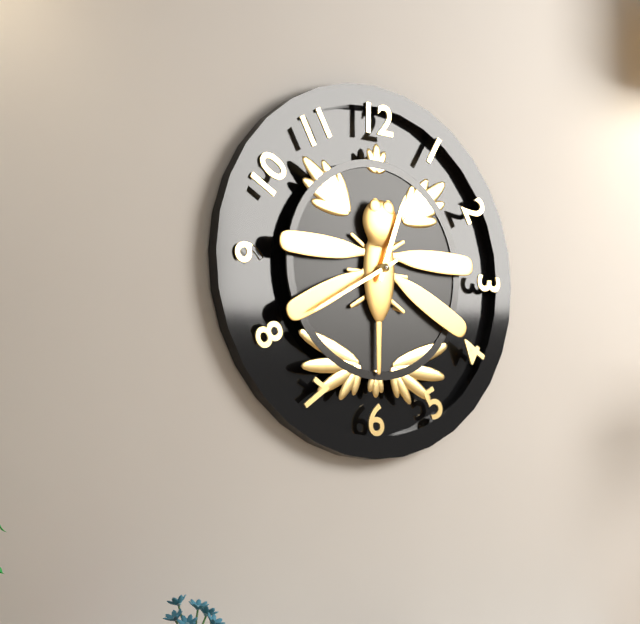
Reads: 12 h 40 min
